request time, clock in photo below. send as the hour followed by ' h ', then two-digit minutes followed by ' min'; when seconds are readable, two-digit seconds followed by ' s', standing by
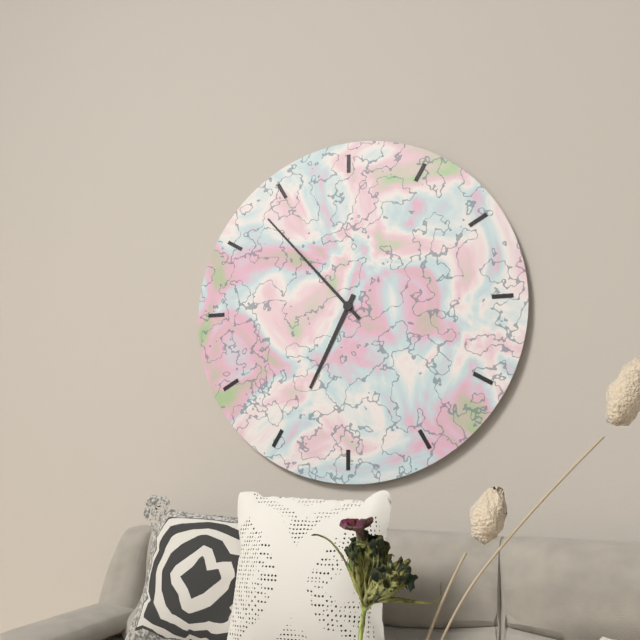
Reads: 6 h 53 min
